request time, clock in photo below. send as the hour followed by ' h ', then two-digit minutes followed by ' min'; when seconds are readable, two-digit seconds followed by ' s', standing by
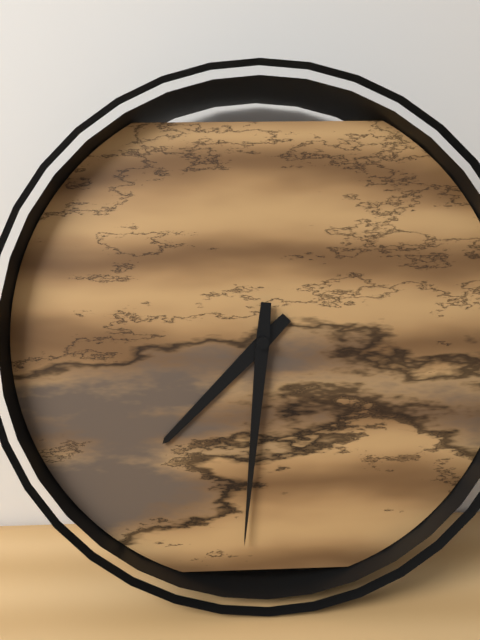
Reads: 7 h 31 min
